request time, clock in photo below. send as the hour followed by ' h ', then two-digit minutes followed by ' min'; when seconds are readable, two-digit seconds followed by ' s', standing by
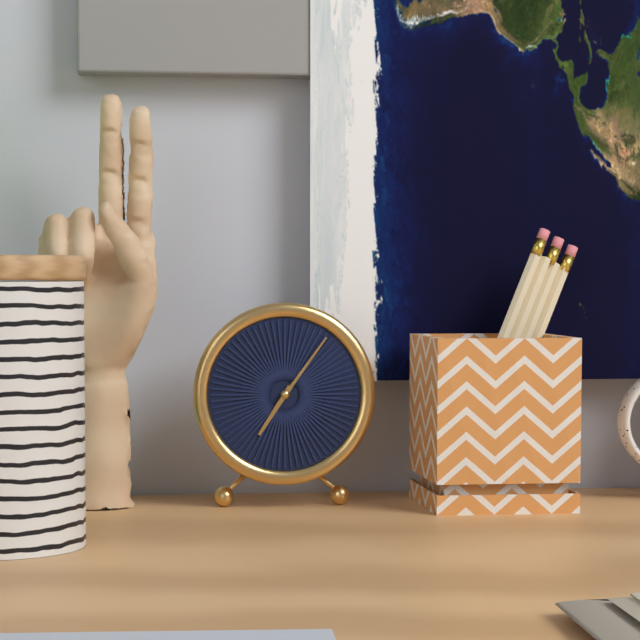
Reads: 7 h 06 min
